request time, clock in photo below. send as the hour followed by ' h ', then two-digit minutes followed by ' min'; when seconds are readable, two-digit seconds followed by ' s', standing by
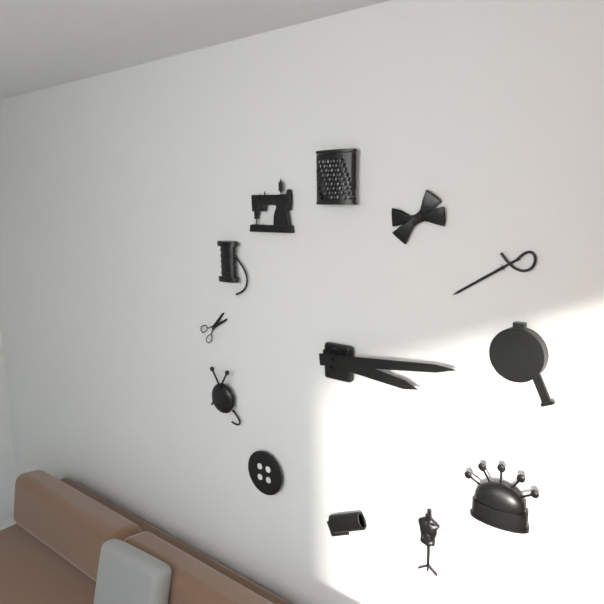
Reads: 3 h 14 min
